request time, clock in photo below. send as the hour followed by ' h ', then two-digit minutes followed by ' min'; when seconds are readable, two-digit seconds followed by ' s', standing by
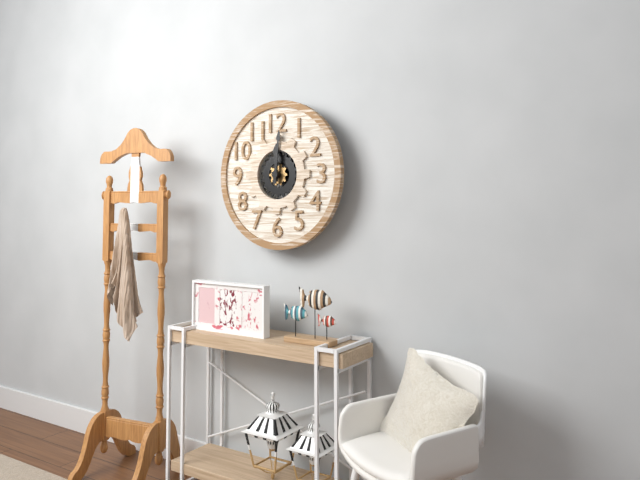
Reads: 12 h 01 min
